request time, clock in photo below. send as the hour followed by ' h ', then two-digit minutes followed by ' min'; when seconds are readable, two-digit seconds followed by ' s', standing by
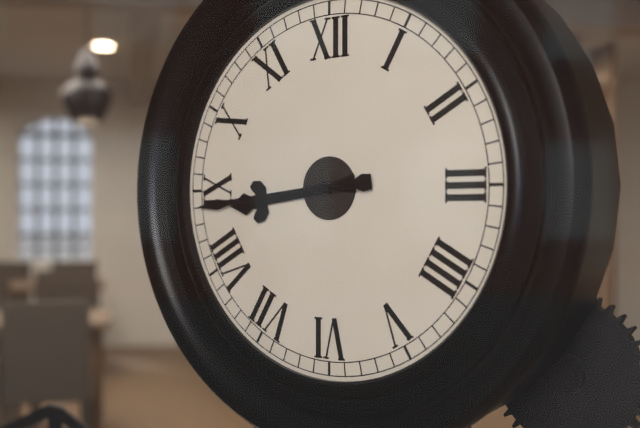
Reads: 8 h 44 min
